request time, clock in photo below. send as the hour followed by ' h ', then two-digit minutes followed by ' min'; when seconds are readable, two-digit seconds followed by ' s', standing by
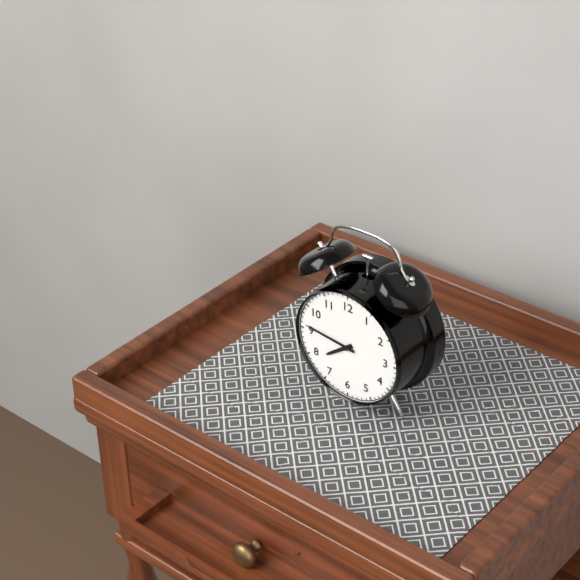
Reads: 7 h 46 min
